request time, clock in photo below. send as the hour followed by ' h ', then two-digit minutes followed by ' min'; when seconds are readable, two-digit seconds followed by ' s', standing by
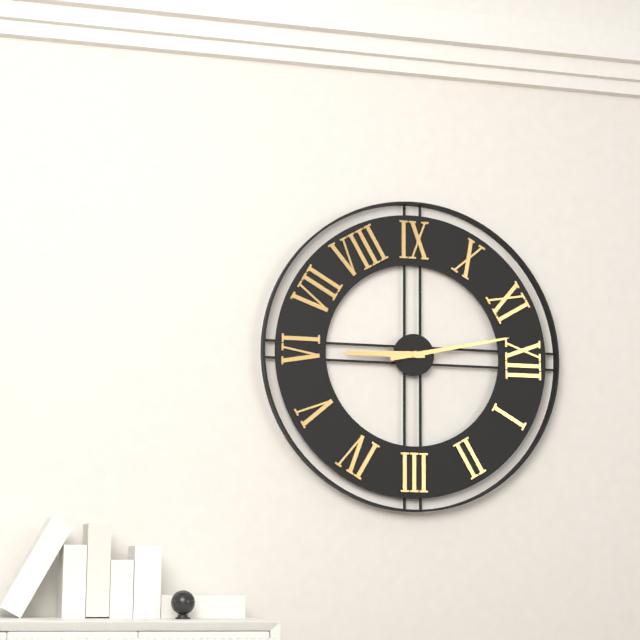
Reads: 5 h 58 min
